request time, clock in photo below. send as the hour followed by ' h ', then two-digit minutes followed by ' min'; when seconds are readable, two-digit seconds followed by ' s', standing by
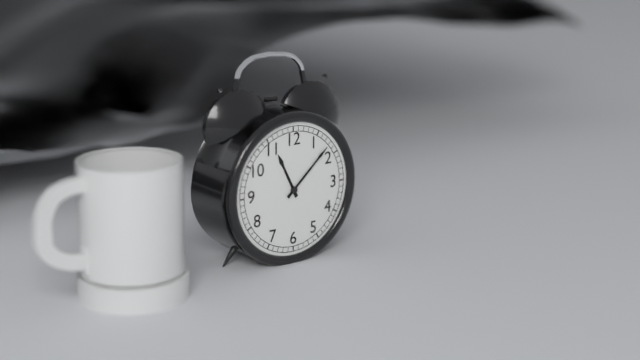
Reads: 11 h 08 min
